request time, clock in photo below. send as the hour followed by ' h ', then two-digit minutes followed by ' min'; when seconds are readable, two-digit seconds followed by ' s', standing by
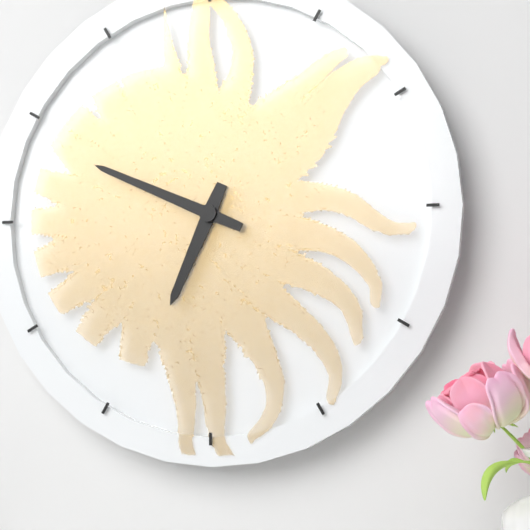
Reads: 6 h 49 min
